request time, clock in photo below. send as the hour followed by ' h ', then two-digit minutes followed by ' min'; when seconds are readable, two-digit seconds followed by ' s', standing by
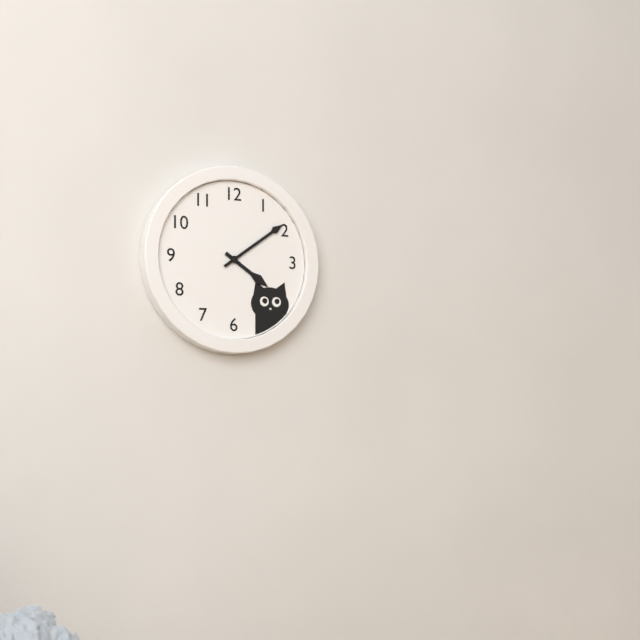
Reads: 4 h 09 min
